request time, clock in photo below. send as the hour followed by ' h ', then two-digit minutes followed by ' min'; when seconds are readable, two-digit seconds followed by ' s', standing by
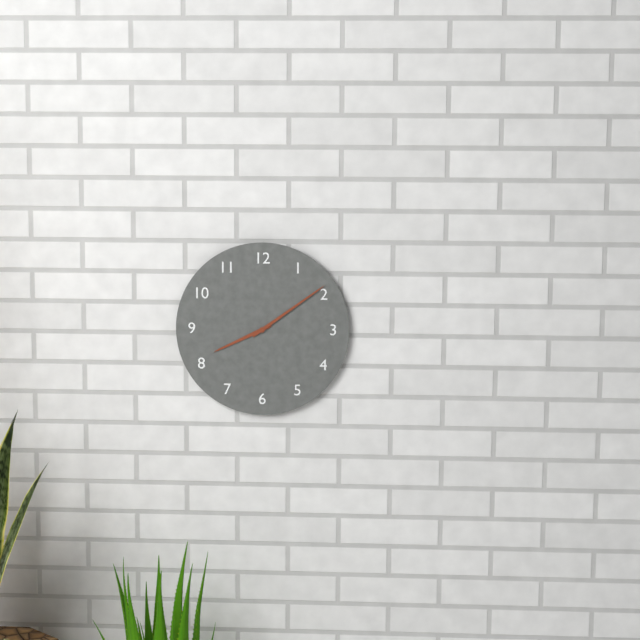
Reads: 8 h 09 min
